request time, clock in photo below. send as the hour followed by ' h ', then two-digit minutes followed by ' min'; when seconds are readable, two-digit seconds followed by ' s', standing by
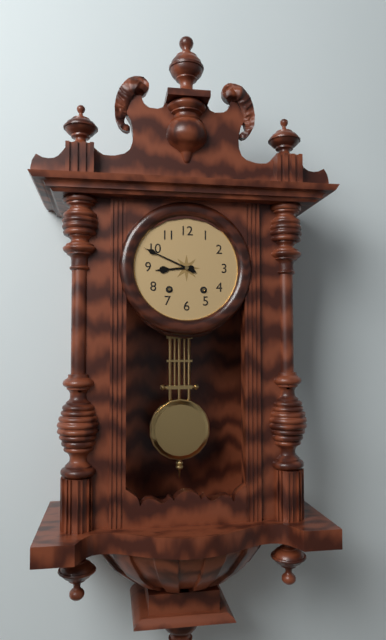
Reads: 8 h 49 min
